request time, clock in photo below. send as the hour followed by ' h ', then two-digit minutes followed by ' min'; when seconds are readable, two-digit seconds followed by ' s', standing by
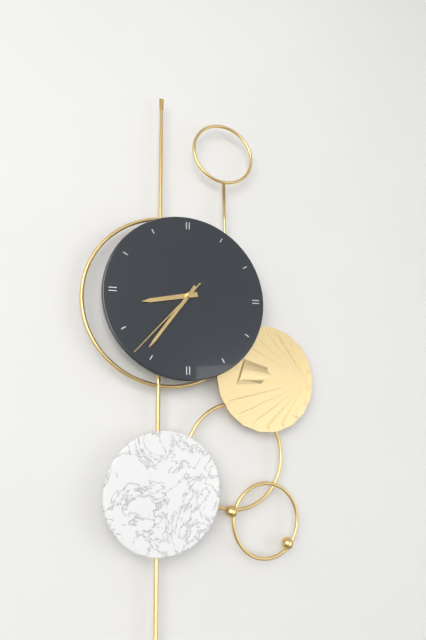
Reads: 8 h 36 min 37 s
